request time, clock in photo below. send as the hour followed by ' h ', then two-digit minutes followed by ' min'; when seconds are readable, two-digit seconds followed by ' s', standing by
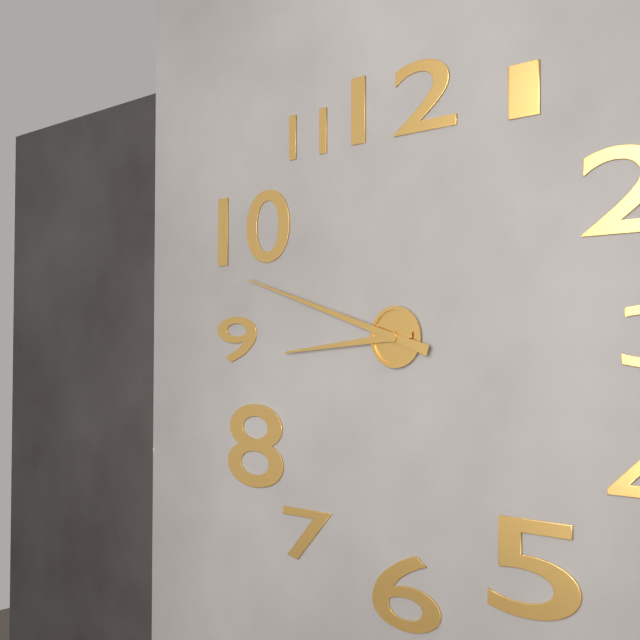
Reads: 8 h 48 min
